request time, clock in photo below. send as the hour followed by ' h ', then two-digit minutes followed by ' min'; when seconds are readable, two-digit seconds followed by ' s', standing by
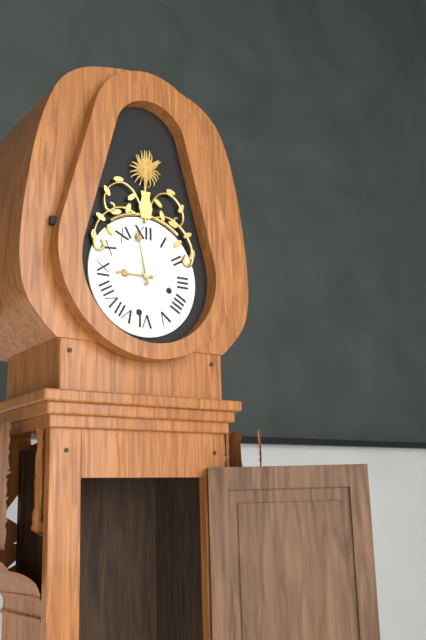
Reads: 8 h 58 min
